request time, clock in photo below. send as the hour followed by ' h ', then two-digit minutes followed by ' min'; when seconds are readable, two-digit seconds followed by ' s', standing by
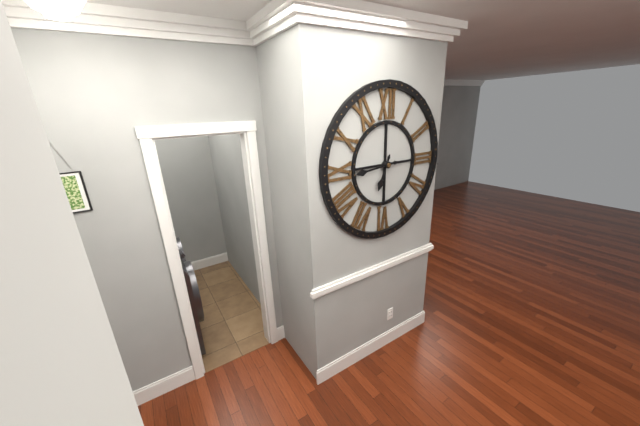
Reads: 6 h 44 min
